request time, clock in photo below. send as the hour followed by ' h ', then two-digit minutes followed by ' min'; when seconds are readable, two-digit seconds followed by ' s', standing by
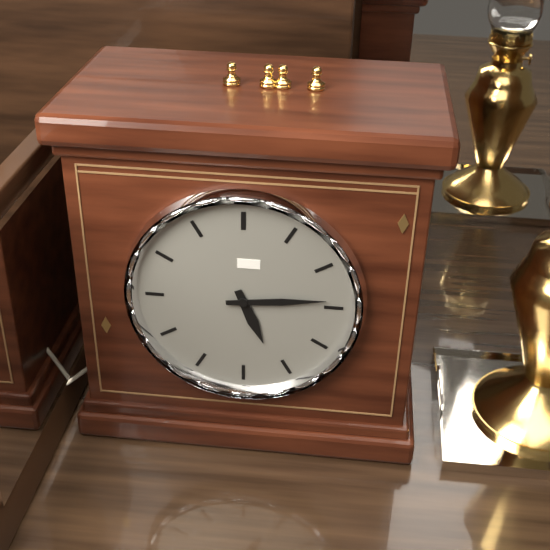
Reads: 5 h 14 min
